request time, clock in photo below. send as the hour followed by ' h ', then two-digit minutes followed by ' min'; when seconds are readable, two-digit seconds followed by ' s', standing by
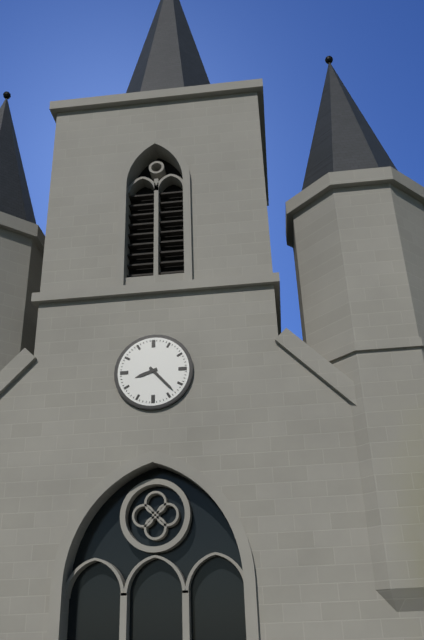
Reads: 8 h 23 min
